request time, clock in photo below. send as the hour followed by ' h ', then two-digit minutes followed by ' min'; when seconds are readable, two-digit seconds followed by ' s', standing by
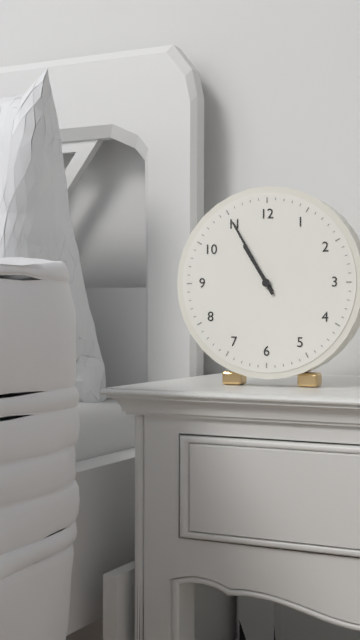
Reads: 10 h 55 min
